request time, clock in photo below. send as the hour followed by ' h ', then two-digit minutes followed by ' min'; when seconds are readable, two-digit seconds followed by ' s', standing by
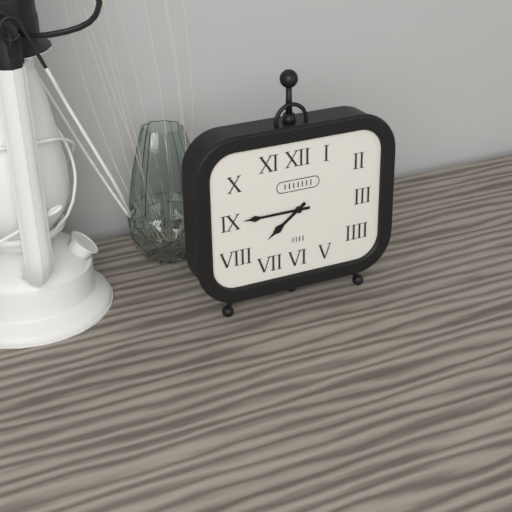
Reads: 7 h 45 min
